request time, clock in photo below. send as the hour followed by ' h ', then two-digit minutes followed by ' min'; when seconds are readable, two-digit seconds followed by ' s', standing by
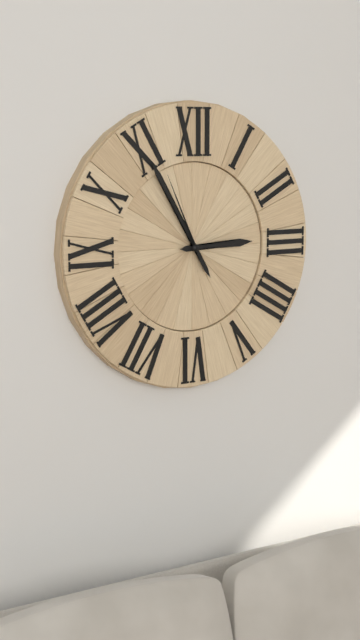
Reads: 2 h 55 min 56 s
